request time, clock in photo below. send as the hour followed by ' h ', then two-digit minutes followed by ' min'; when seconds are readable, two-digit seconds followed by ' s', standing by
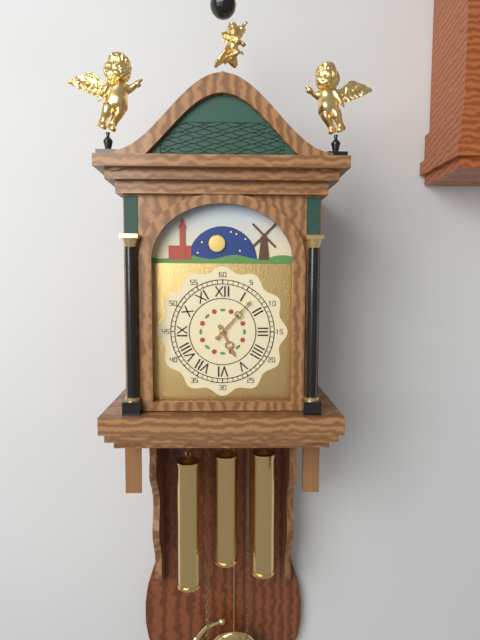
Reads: 5 h 07 min
